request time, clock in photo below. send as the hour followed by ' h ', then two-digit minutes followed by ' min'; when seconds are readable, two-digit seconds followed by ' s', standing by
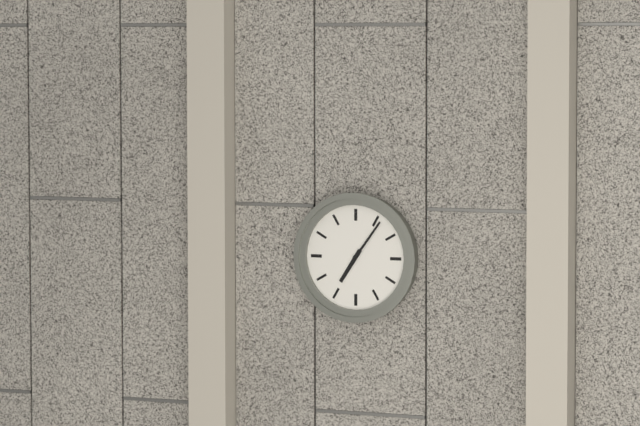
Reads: 7 h 06 min
